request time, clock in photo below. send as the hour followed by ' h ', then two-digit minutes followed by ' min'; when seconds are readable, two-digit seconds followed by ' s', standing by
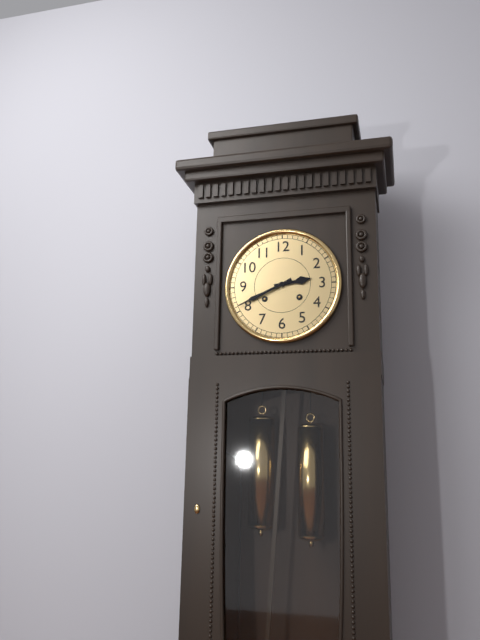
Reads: 2 h 41 min
